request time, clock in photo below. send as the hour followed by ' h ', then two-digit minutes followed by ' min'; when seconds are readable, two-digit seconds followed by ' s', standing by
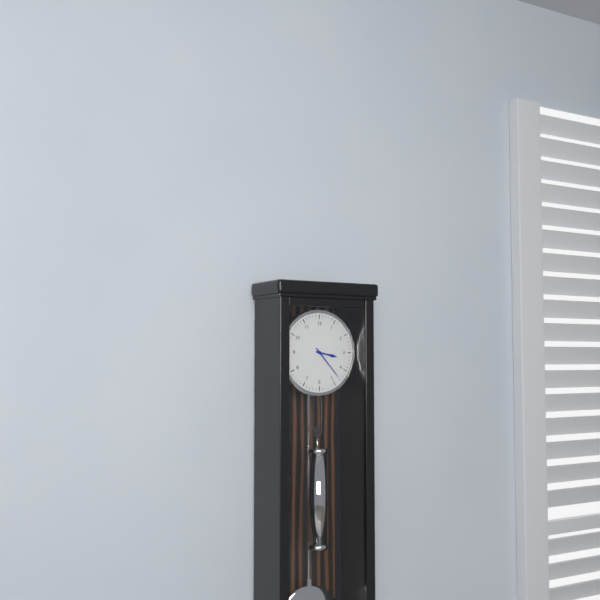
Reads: 3 h 23 min
